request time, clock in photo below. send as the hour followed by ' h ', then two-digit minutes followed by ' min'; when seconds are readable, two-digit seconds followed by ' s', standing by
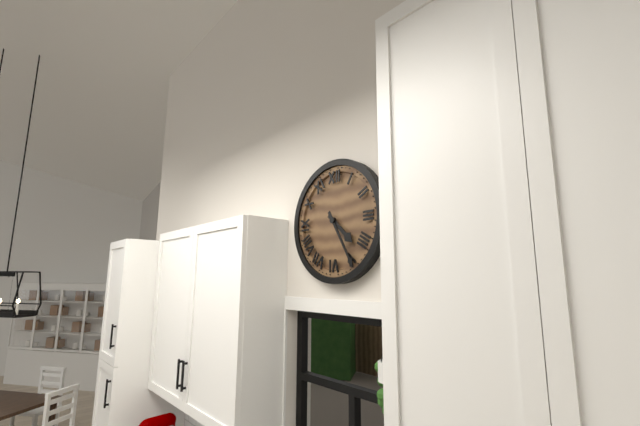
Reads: 4 h 25 min
